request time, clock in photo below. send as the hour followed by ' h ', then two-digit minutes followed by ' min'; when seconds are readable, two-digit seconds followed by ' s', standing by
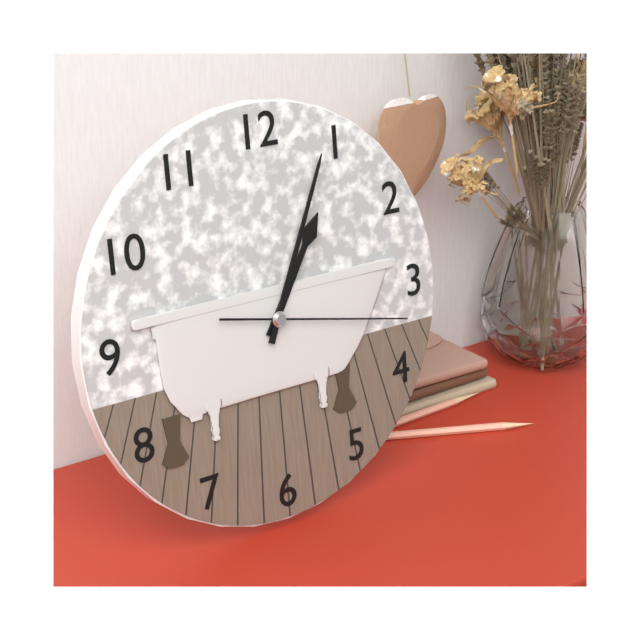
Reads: 1 h 04 min 17 s
